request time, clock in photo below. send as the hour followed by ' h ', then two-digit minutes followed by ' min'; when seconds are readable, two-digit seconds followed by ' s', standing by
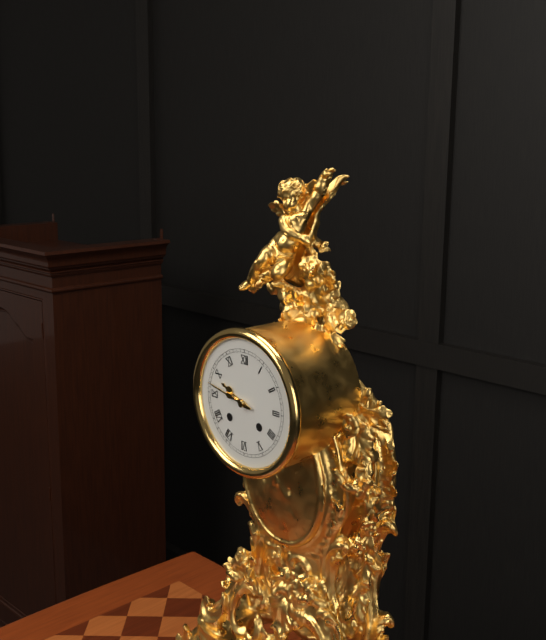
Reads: 9 h 47 min
